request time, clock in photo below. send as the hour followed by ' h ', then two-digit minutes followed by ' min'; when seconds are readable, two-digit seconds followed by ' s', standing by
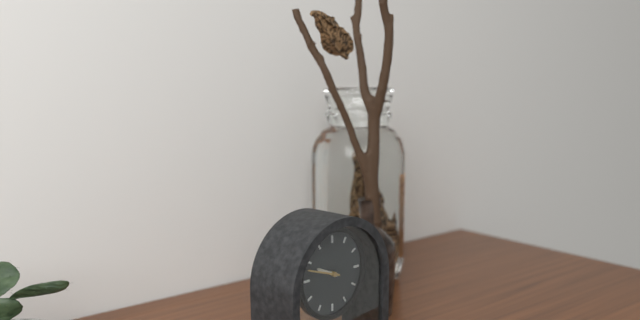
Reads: 9 h 48 min
